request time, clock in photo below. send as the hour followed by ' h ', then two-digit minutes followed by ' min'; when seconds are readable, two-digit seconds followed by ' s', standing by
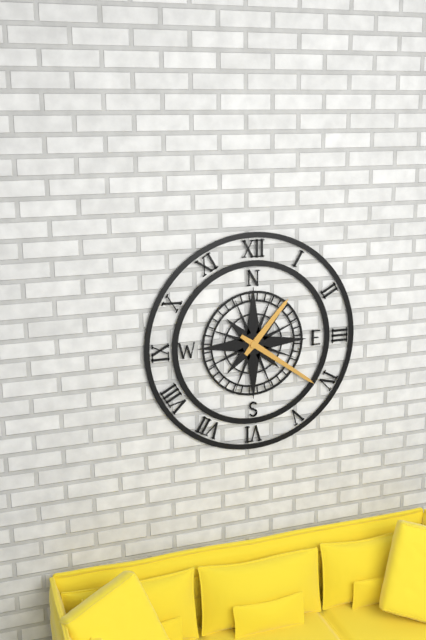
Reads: 1 h 21 min
